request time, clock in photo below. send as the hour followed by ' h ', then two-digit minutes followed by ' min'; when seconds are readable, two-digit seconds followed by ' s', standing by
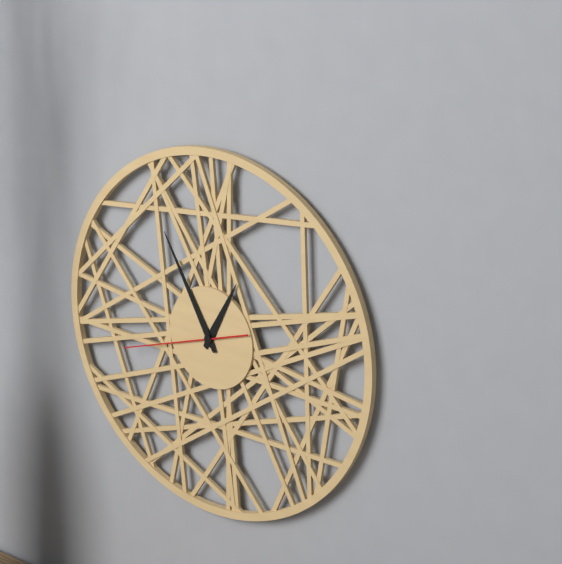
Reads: 12 h 55 min 42 s
